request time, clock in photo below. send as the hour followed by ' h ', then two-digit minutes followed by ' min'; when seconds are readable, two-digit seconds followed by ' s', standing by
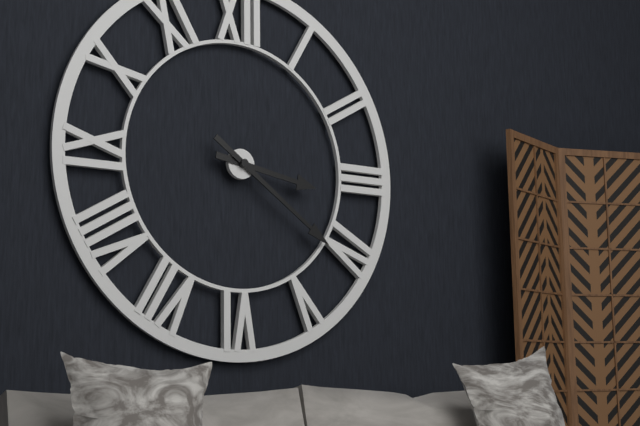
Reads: 3 h 21 min
